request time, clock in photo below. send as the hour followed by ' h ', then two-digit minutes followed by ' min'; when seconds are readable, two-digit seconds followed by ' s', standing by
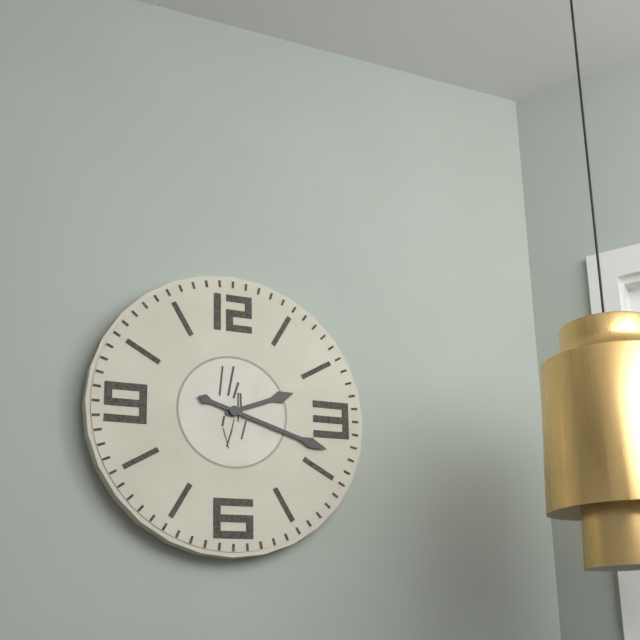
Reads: 2 h 18 min
